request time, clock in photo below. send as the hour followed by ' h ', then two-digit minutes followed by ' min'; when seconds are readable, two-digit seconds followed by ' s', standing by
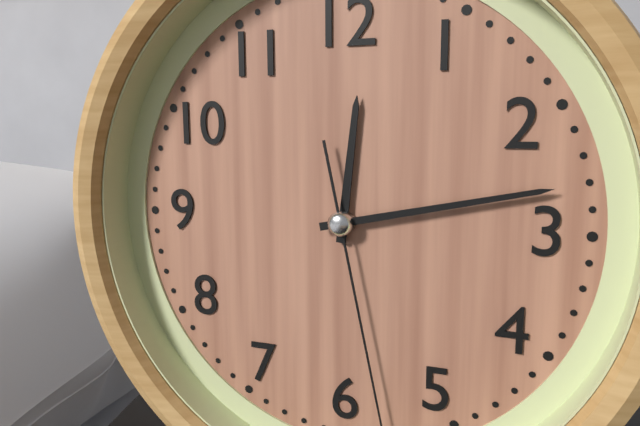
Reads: 12 h 13 min
